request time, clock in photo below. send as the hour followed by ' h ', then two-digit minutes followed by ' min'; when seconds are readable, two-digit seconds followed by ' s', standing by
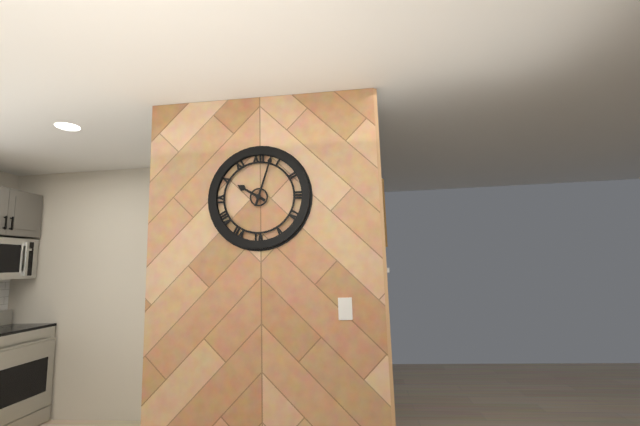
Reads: 10 h 03 min
